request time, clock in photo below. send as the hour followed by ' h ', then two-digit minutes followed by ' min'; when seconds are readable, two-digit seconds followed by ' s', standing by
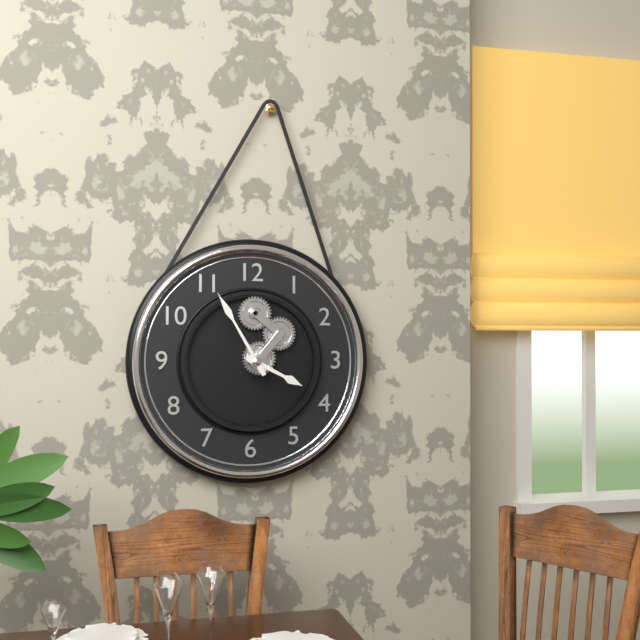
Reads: 3 h 55 min
